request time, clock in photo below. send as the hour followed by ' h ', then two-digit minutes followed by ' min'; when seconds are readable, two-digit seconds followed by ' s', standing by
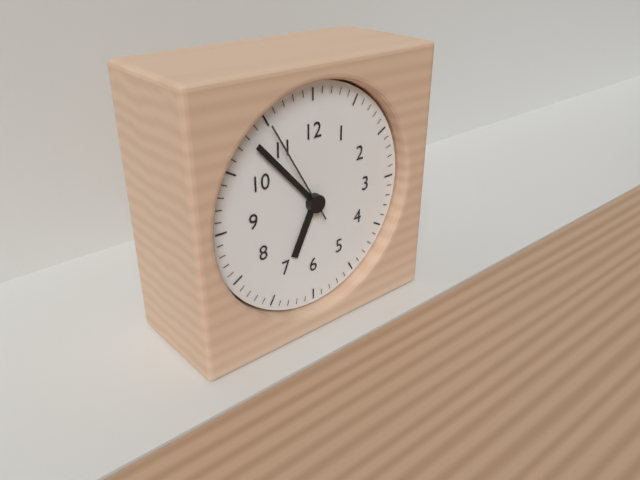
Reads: 6 h 53 min 55 s
